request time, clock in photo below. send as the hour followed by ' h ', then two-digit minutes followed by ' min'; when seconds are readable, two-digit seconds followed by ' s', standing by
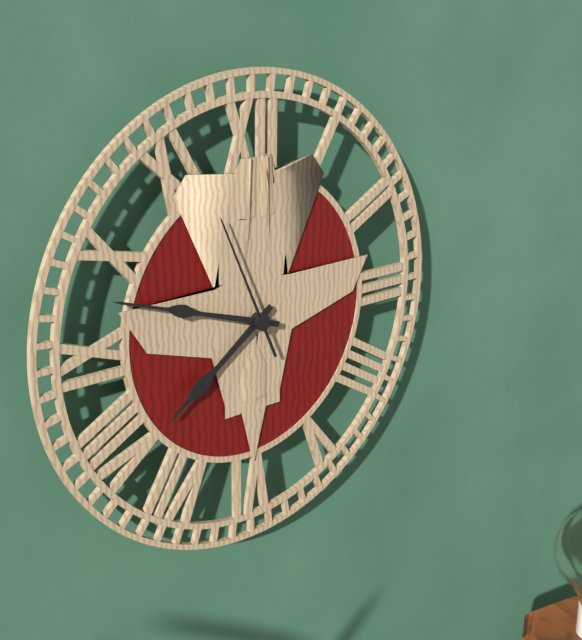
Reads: 7 h 48 min 56 s
